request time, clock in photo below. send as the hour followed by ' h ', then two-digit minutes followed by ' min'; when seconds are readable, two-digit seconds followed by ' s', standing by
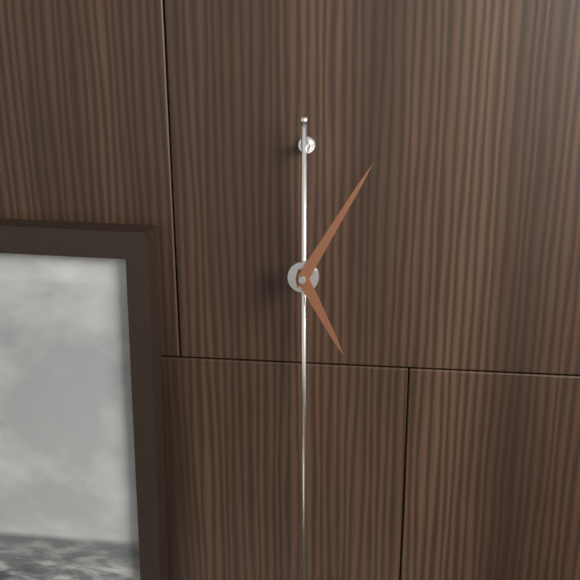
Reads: 5 h 05 min
